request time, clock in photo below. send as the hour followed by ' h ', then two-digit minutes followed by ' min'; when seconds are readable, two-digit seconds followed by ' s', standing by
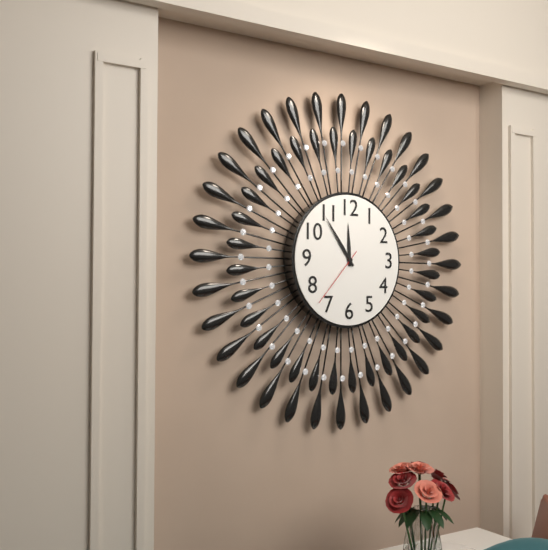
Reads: 11 h 54 min 37 s
